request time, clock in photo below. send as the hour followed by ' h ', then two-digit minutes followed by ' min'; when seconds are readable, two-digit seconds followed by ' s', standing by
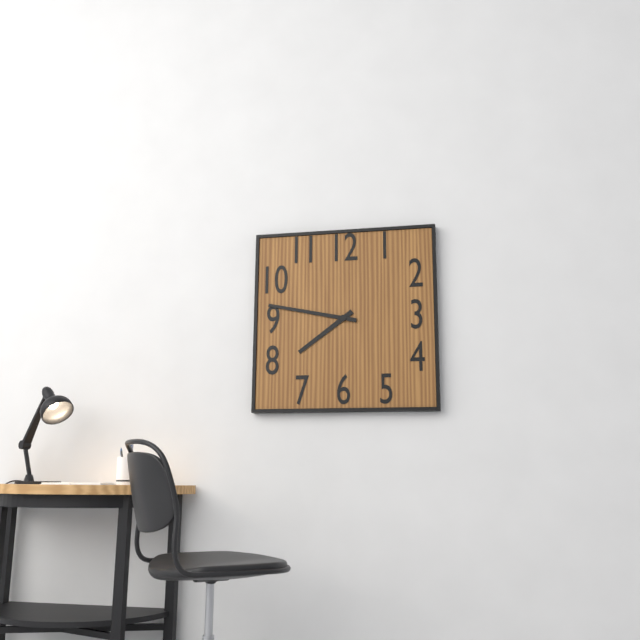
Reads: 7 h 47 min
